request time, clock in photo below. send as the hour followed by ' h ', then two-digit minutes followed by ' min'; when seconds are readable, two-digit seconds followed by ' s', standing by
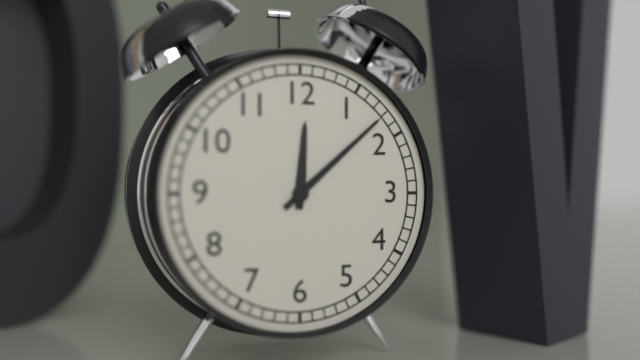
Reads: 12 h 08 min
